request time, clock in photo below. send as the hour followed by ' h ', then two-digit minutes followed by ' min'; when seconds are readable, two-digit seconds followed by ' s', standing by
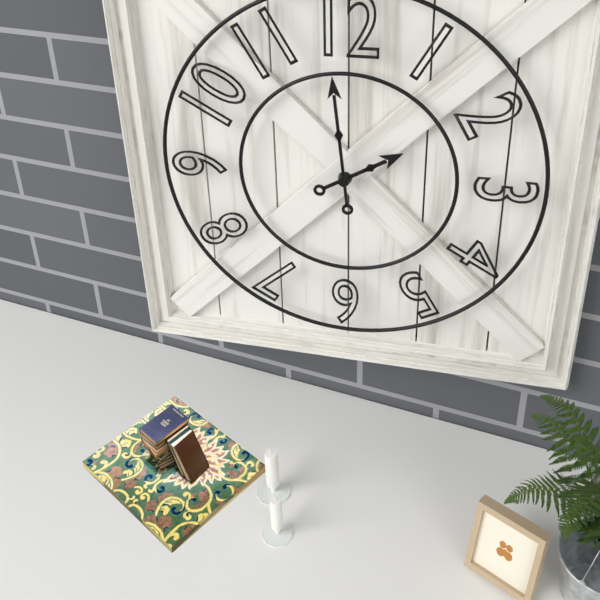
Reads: 1 h 59 min
